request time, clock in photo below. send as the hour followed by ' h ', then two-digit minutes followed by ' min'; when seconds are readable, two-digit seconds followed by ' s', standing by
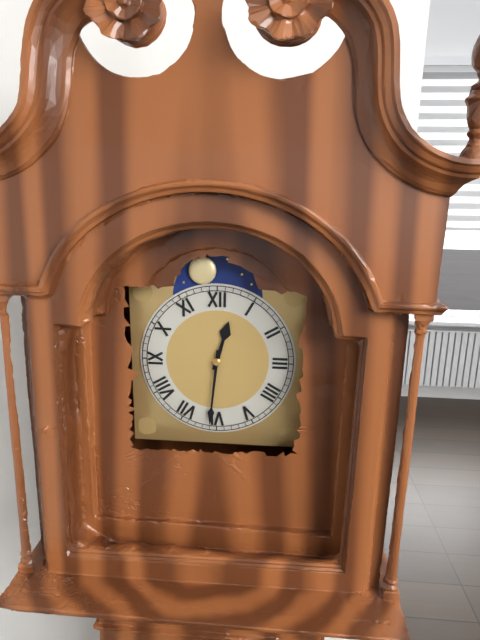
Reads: 12 h 31 min
